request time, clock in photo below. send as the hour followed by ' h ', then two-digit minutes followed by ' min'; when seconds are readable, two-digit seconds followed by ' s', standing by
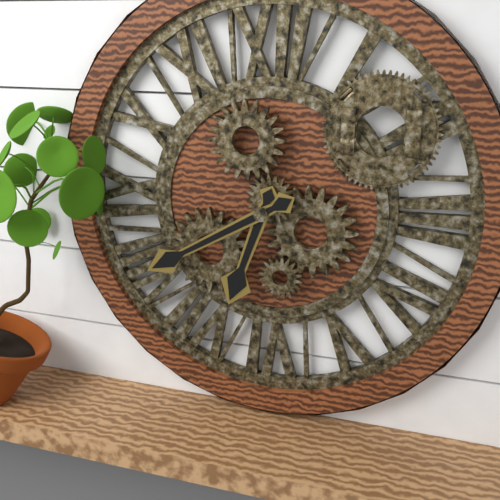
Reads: 6 h 40 min
